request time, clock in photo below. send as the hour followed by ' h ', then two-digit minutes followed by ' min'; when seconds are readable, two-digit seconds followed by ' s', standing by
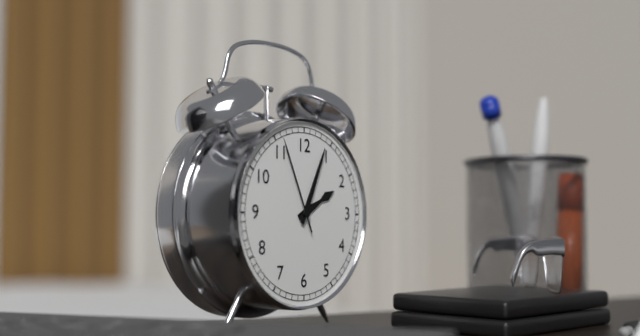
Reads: 2 h 04 min 56 s
